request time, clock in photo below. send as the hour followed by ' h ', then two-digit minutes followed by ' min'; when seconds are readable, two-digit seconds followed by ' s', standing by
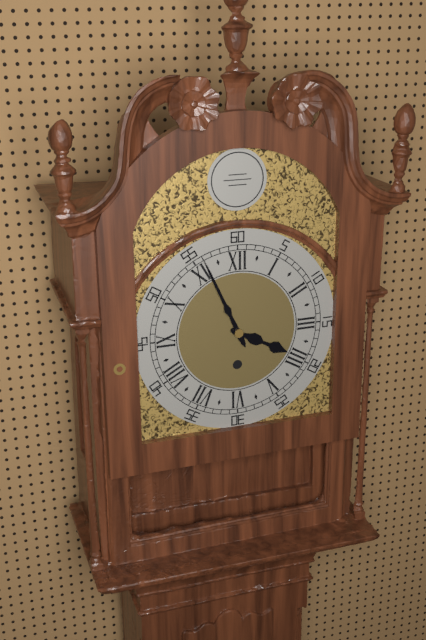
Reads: 3 h 56 min
